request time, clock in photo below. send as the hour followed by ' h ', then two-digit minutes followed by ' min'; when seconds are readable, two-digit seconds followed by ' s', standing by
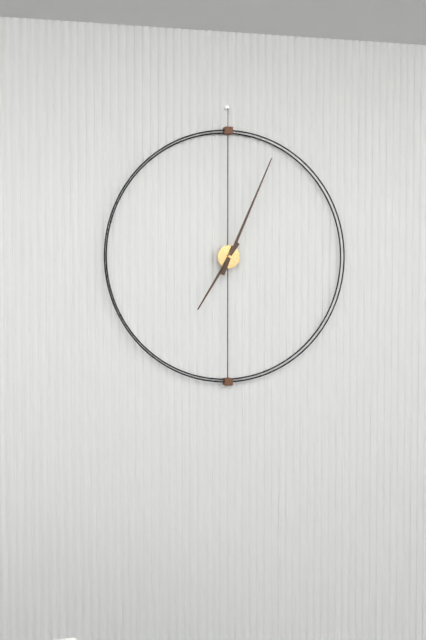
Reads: 7 h 04 min
